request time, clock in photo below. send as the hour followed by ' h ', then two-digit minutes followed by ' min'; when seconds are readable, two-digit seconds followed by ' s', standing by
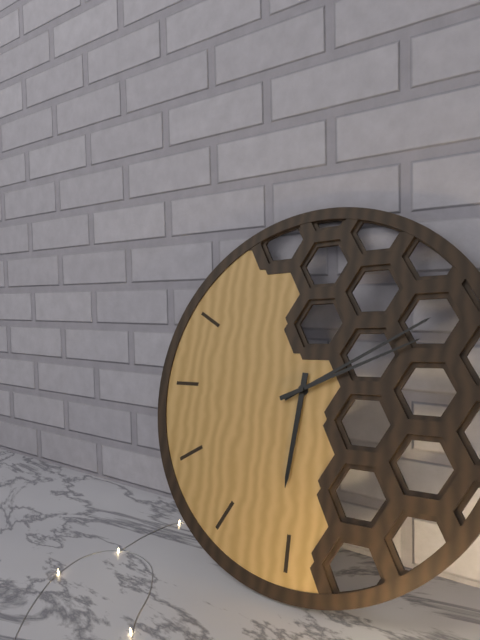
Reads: 6 h 10 min 11 s
